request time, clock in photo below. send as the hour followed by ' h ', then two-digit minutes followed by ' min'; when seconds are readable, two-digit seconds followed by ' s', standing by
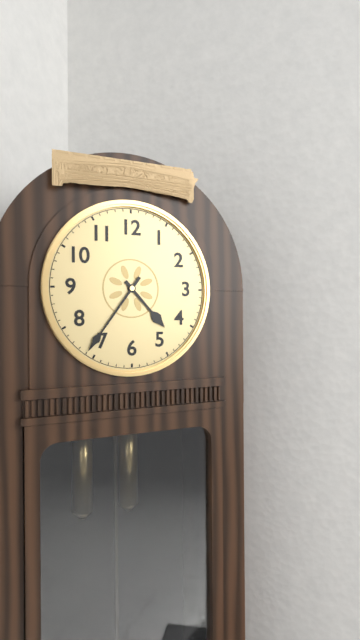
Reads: 4 h 36 min
